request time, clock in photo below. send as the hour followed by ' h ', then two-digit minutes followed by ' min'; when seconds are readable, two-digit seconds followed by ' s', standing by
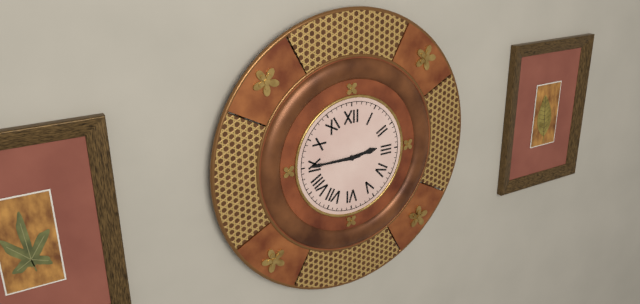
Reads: 2 h 45 min
